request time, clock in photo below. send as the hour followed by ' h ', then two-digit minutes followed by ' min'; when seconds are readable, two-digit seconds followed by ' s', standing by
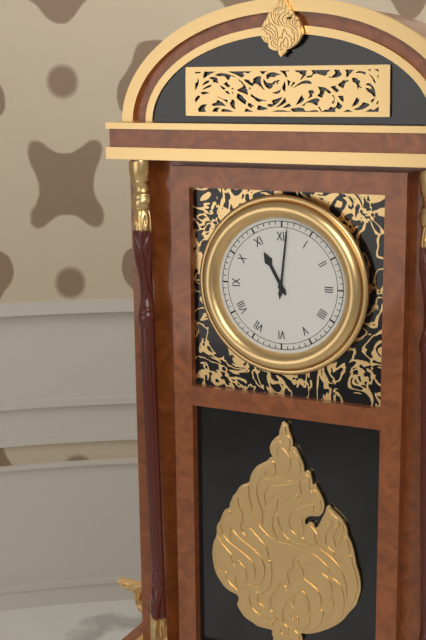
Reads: 11 h 01 min
